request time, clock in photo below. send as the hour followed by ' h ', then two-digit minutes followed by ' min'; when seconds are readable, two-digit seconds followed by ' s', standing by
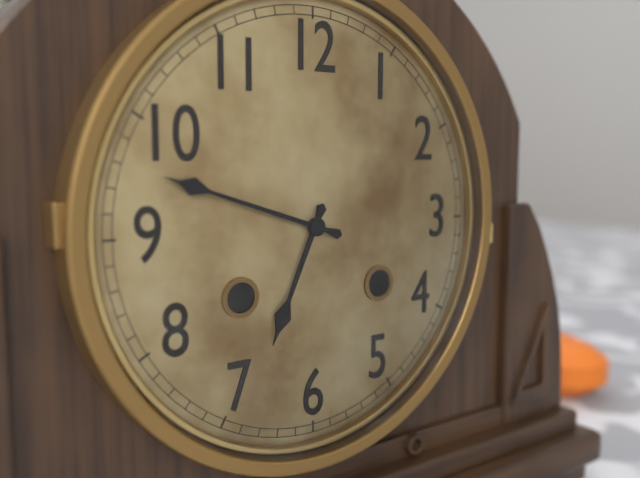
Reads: 6 h 48 min
